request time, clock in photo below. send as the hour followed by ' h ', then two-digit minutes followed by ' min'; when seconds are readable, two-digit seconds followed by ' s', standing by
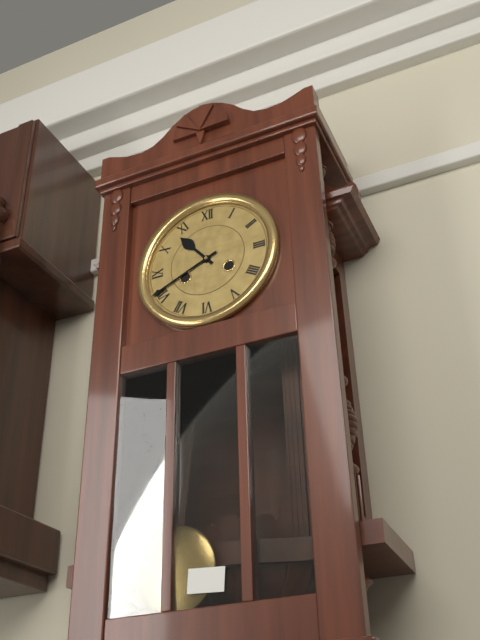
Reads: 10 h 41 min
